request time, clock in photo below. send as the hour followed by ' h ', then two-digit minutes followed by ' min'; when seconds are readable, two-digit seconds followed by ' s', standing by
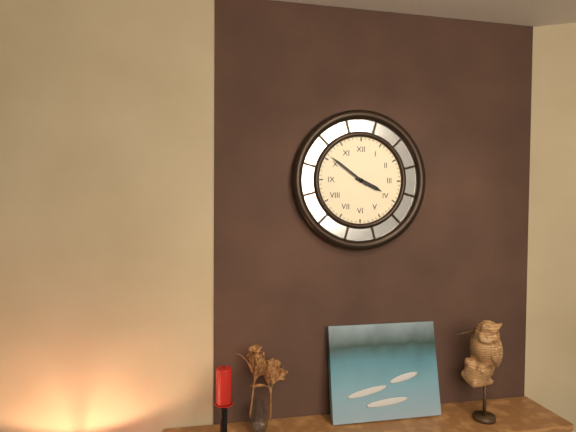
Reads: 3 h 51 min
